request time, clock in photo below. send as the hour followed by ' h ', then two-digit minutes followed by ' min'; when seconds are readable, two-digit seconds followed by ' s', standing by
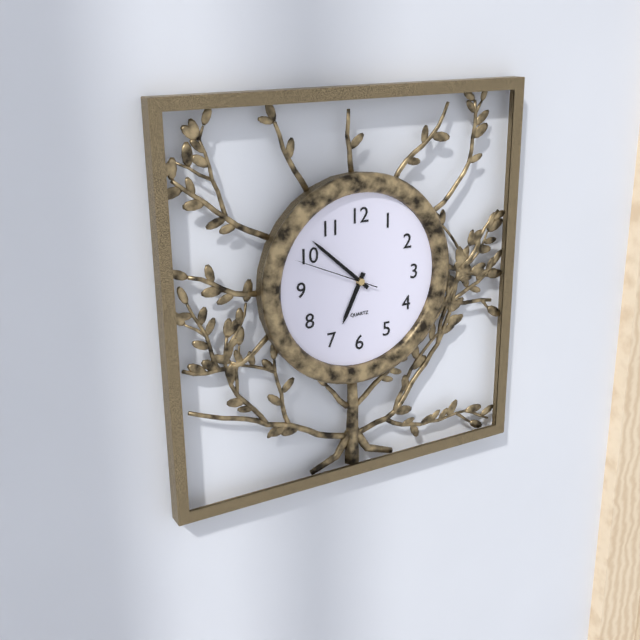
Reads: 6 h 52 min 49 s
